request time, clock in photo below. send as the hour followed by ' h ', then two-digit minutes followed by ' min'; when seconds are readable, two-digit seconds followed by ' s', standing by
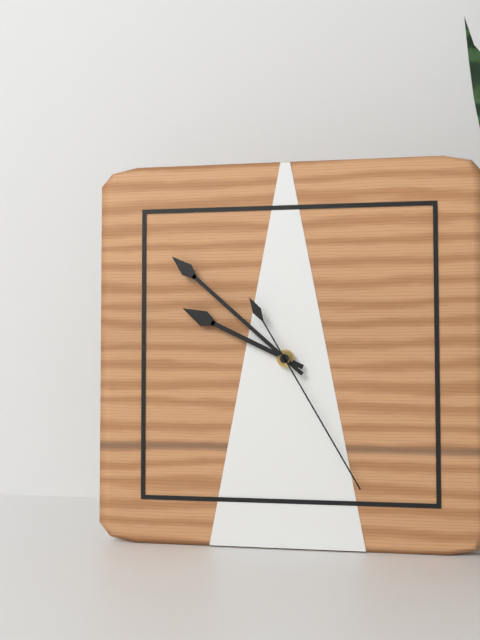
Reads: 9 h 52 min 25 s
